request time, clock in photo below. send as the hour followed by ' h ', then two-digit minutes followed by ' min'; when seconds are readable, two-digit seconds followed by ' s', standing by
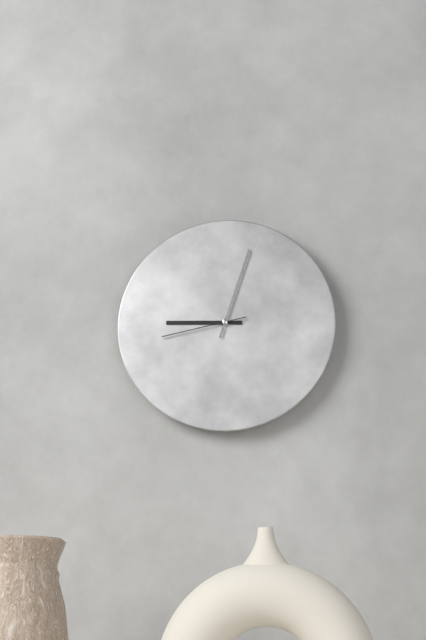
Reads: 9 h 03 min 43 s
